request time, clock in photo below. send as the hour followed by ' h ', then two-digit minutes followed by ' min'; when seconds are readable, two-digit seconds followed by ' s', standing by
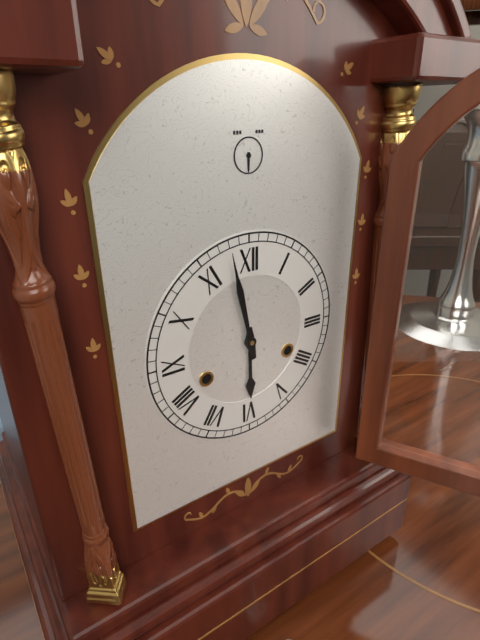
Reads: 5 h 58 min
